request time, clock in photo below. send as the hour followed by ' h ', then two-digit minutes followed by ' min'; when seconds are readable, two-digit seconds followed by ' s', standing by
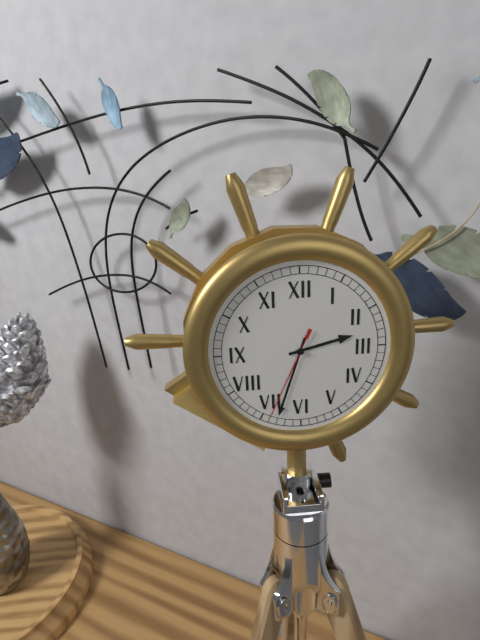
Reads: 2 h 33 min 34 s
